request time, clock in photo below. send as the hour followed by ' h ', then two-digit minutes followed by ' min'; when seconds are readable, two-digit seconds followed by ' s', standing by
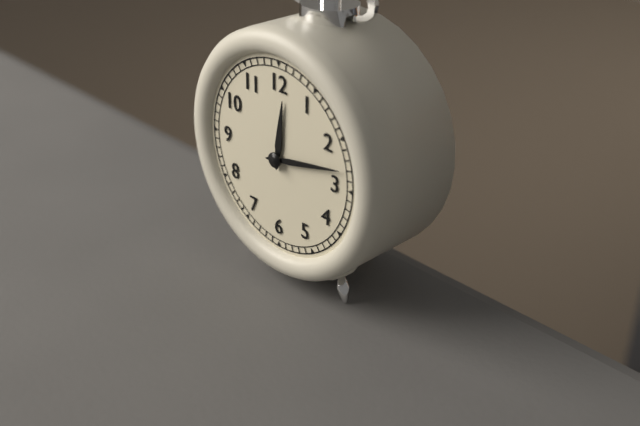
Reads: 12 h 13 min
